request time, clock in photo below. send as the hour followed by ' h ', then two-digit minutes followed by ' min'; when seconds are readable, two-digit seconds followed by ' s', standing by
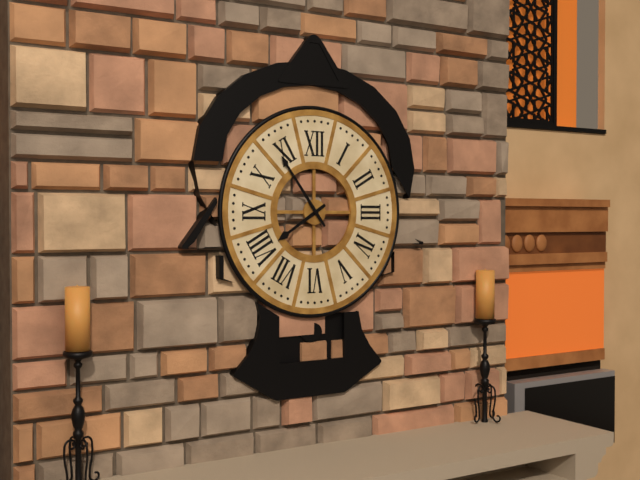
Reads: 7 h 54 min
